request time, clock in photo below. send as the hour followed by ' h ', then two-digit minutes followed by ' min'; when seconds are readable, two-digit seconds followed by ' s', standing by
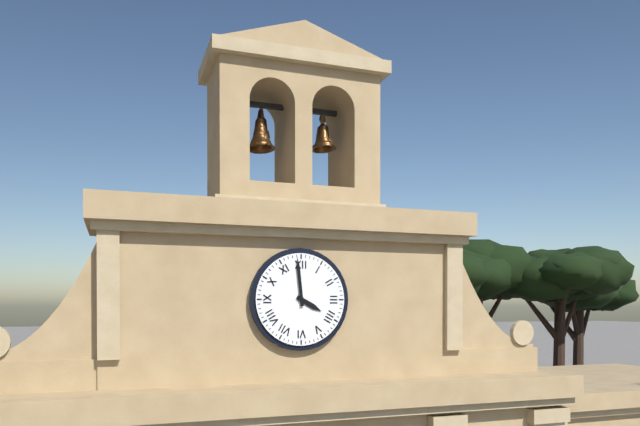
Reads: 3 h 59 min
